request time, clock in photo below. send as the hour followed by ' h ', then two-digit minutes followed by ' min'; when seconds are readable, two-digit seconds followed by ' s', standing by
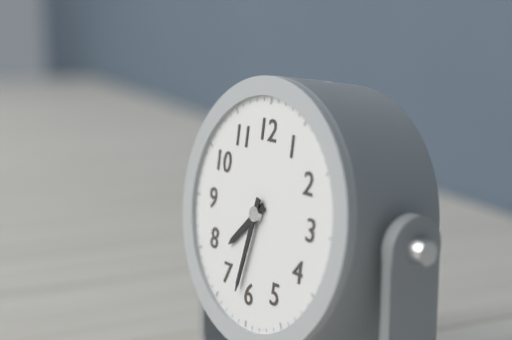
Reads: 7 h 32 min
